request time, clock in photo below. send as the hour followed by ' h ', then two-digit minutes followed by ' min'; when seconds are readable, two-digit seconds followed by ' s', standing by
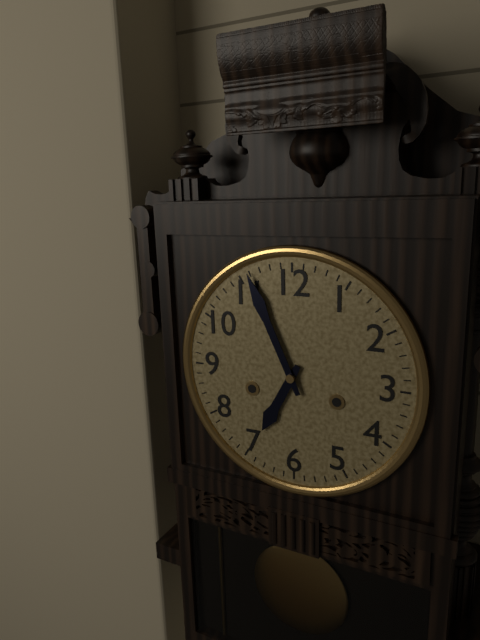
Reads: 6 h 56 min
